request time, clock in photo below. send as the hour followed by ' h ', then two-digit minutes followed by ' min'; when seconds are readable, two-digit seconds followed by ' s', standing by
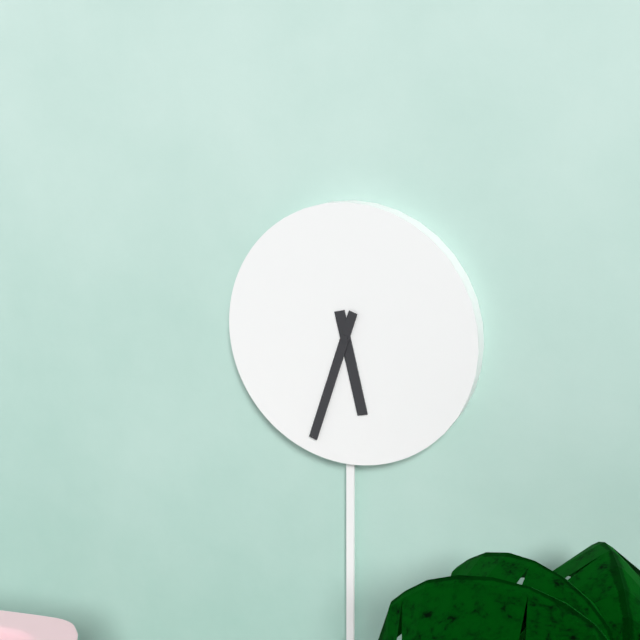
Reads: 5 h 33 min
